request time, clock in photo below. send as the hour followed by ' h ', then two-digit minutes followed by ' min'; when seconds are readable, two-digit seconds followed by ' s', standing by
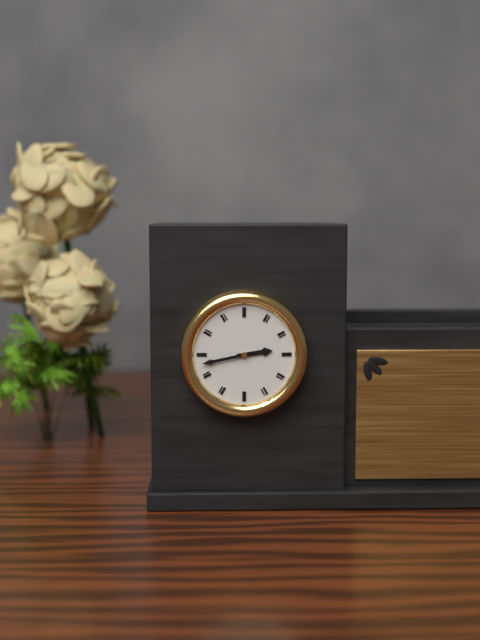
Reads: 2 h 43 min
